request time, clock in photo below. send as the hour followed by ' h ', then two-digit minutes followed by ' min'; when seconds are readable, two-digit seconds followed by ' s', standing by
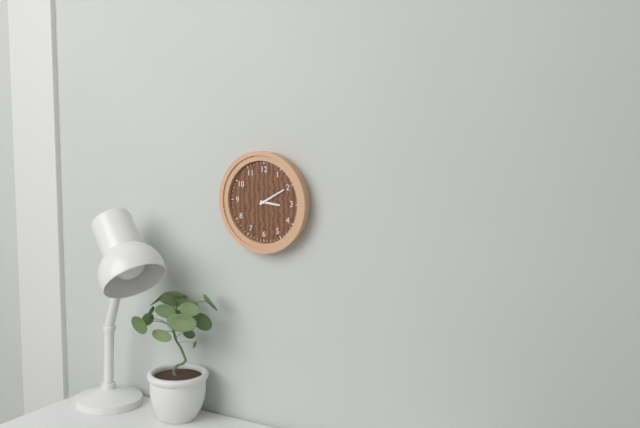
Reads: 3 h 10 min
